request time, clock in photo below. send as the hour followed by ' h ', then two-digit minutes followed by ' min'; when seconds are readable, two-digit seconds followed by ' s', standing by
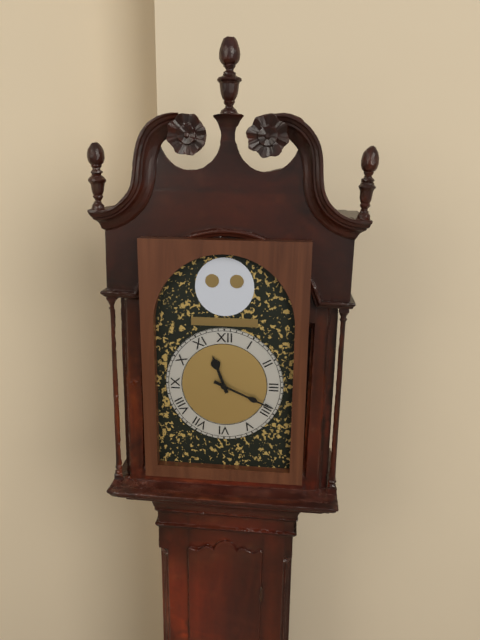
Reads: 11 h 19 min
